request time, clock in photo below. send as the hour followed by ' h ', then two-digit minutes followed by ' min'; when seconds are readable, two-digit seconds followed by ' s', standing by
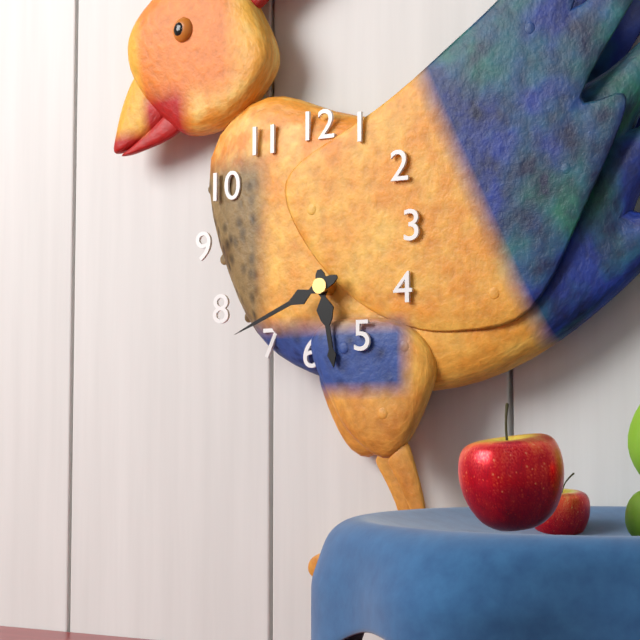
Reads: 5 h 41 min
